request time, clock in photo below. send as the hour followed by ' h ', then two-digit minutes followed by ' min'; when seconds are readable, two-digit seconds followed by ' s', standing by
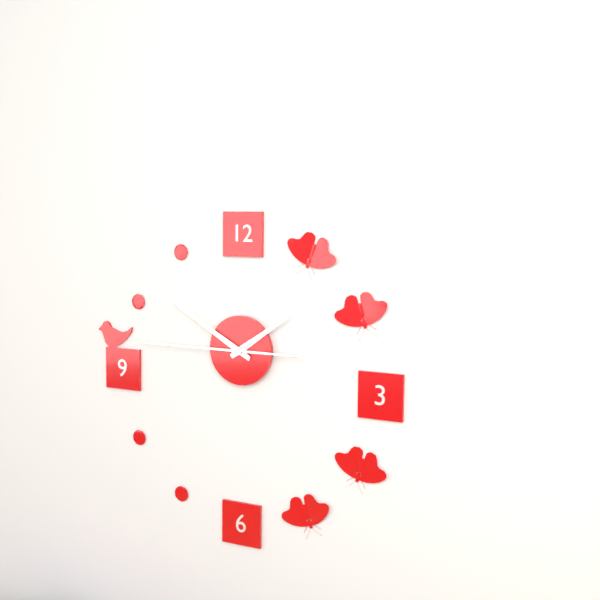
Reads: 1 h 50 min 45 s
